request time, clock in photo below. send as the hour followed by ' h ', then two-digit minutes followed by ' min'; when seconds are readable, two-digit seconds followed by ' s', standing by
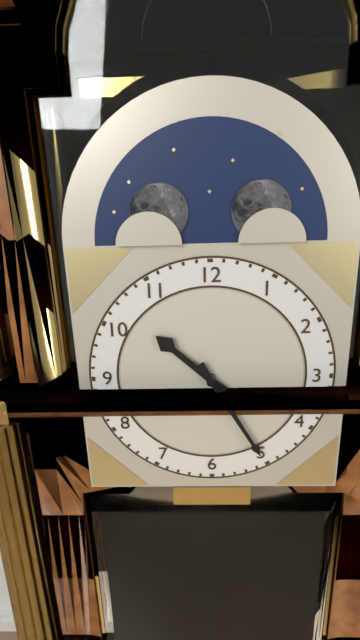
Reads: 10 h 25 min
